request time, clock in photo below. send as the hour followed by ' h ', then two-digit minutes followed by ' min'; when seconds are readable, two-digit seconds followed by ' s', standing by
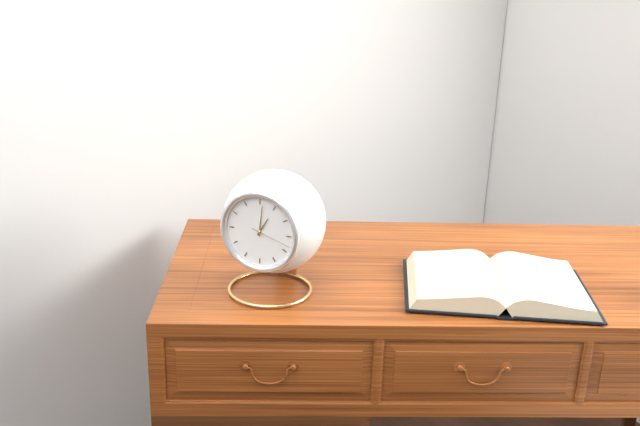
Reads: 1 h 01 min
